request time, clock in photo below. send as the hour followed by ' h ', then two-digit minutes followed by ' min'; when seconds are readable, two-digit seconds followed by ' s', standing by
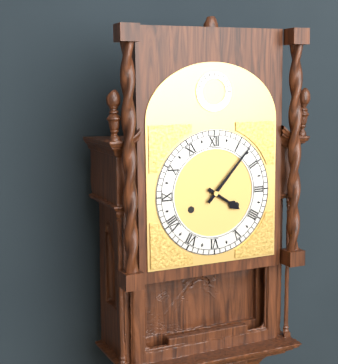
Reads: 4 h 07 min
